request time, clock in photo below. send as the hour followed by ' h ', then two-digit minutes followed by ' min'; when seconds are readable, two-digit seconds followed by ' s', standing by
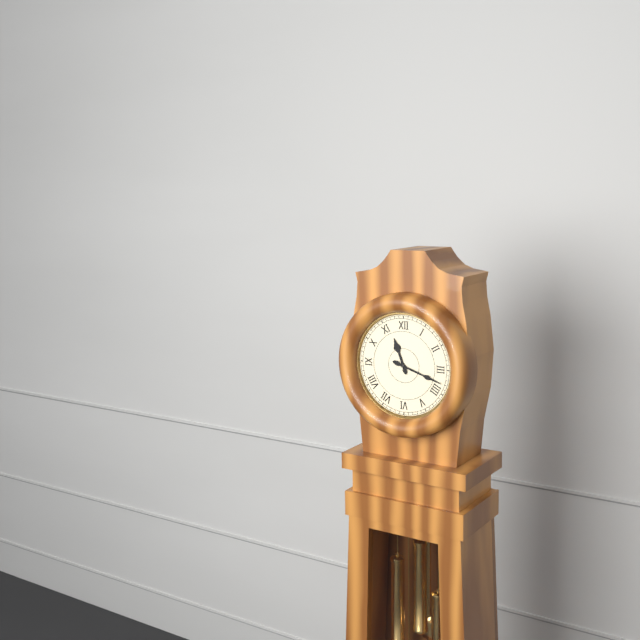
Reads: 11 h 18 min
